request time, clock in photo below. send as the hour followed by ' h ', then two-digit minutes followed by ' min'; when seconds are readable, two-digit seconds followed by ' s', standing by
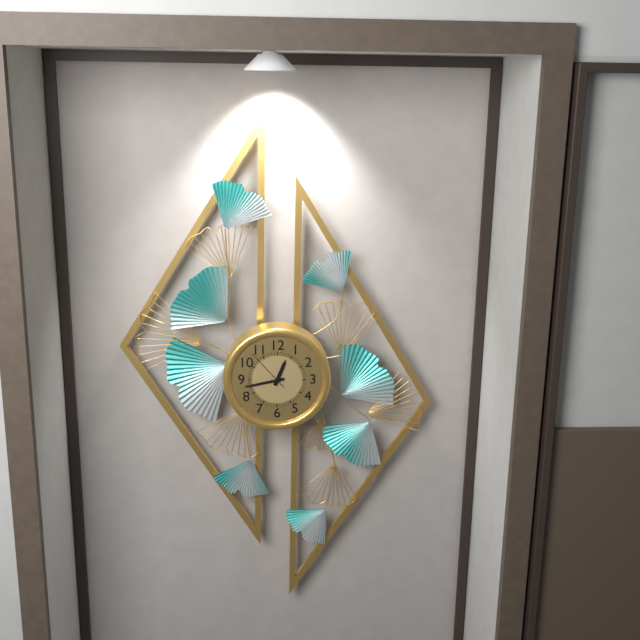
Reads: 12 h 43 min
